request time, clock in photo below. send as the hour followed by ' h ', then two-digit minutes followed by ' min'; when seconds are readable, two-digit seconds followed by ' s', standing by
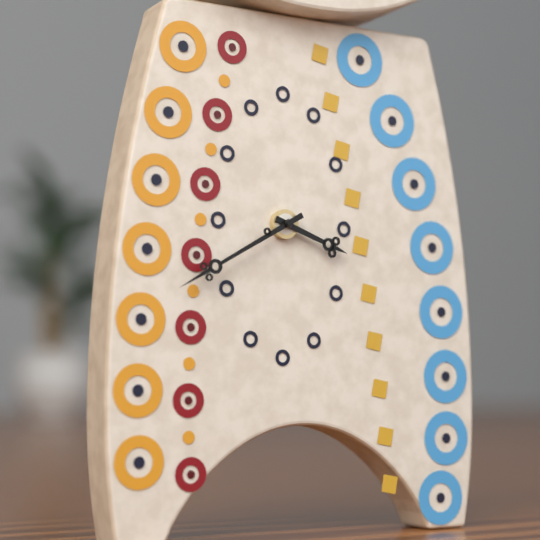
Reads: 3 h 40 min
